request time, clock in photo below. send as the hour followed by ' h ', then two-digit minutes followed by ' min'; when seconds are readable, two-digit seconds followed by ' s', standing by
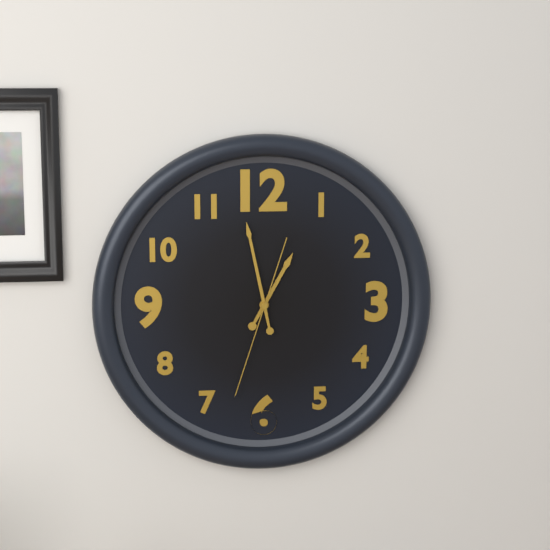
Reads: 12 h 58 min 33 s
